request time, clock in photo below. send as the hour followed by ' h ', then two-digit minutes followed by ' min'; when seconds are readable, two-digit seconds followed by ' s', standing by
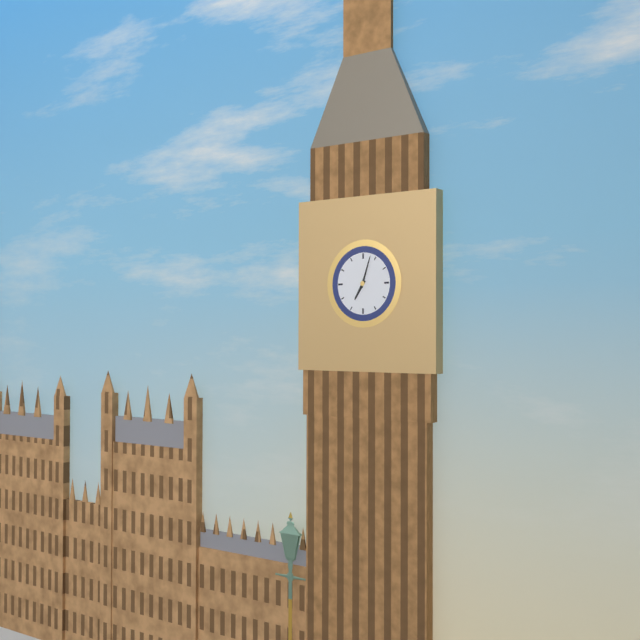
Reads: 7 h 03 min
